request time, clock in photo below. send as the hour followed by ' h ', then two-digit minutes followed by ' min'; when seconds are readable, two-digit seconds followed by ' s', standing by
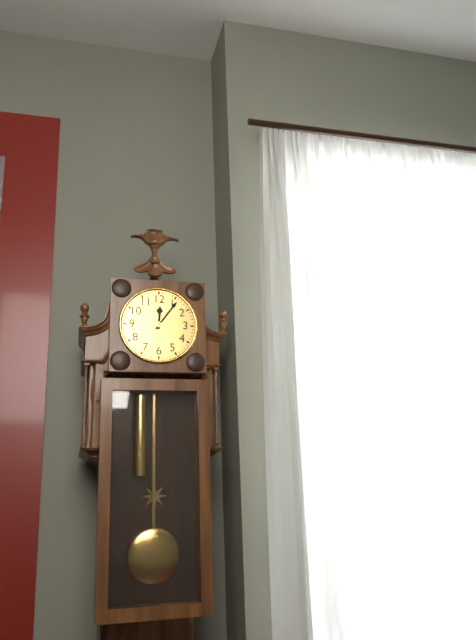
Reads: 12 h 06 min
